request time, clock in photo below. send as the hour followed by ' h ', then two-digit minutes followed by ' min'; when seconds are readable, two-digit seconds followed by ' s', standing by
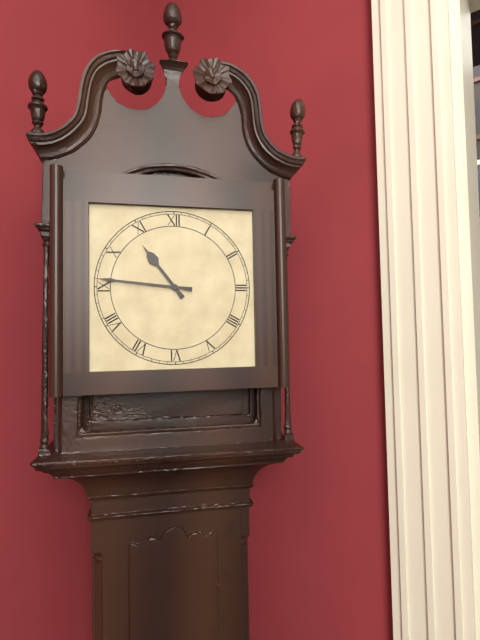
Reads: 10 h 46 min
